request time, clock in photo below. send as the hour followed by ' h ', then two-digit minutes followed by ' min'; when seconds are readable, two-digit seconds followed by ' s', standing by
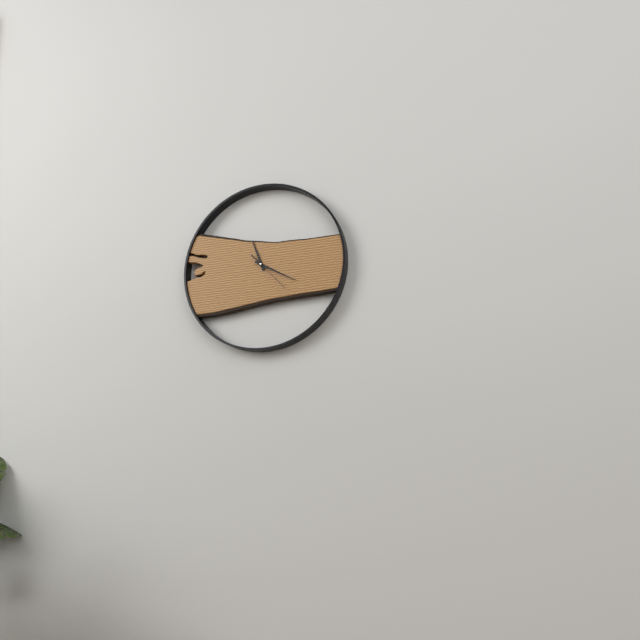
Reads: 11 h 20 min
